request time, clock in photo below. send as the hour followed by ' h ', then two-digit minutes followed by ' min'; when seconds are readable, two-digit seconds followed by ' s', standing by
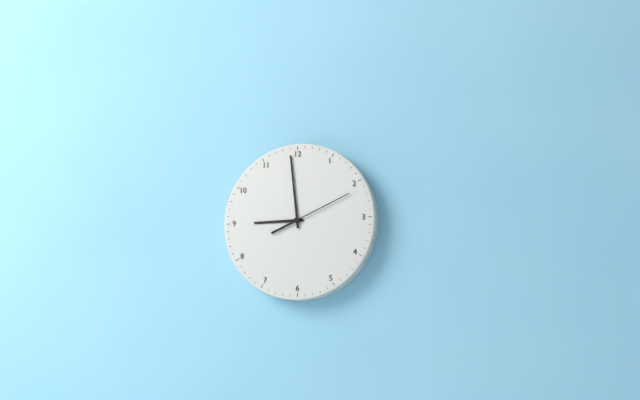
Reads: 8 h 59 min 11 s
